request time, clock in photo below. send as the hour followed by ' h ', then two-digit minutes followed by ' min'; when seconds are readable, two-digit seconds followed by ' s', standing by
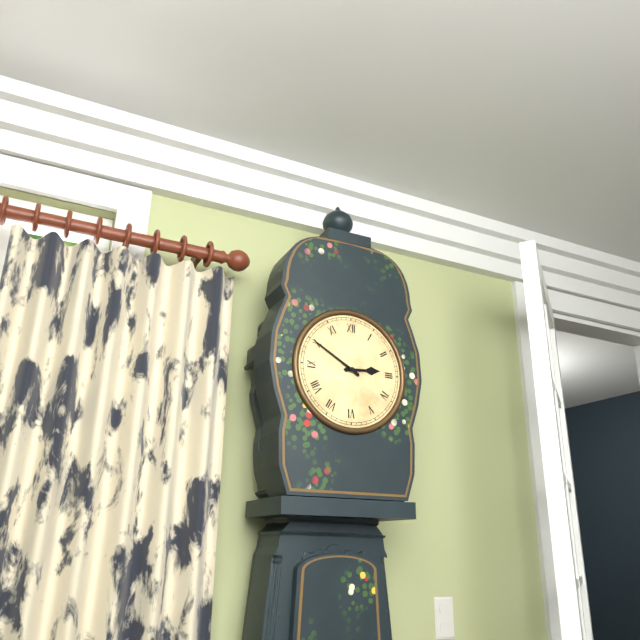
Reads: 2 h 50 min
